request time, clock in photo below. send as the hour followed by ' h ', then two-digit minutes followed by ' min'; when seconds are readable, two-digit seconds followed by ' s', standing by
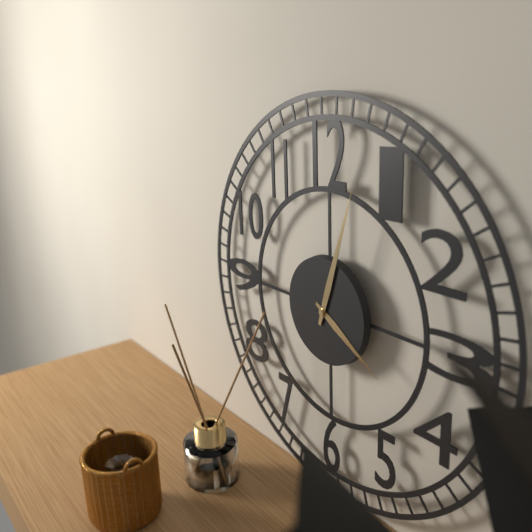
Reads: 4 h 03 min
